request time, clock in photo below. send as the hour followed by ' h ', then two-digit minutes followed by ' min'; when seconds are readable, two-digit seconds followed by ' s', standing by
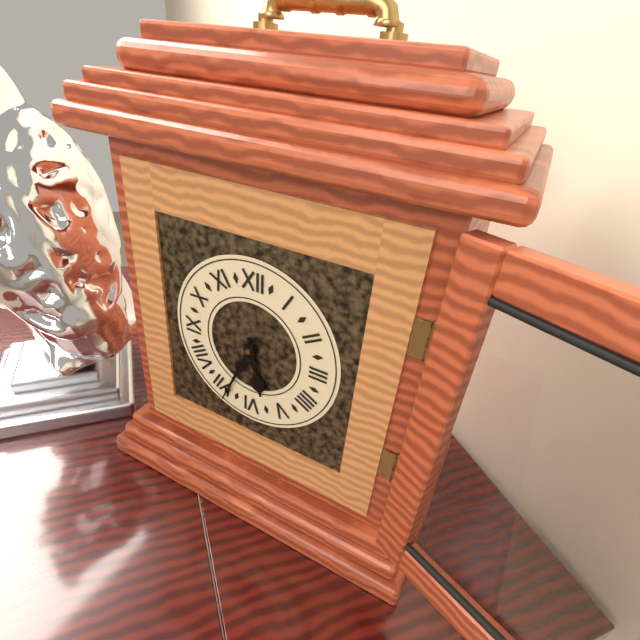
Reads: 5 h 34 min
